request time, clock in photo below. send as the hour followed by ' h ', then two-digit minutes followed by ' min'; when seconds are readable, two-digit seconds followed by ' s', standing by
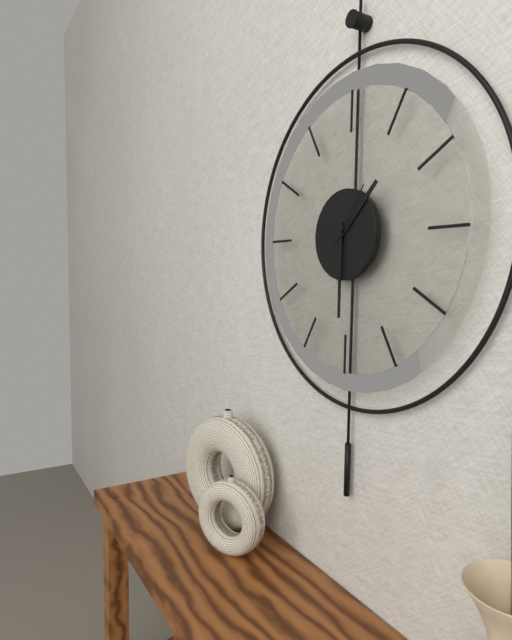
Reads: 1 h 30 min 06 s
